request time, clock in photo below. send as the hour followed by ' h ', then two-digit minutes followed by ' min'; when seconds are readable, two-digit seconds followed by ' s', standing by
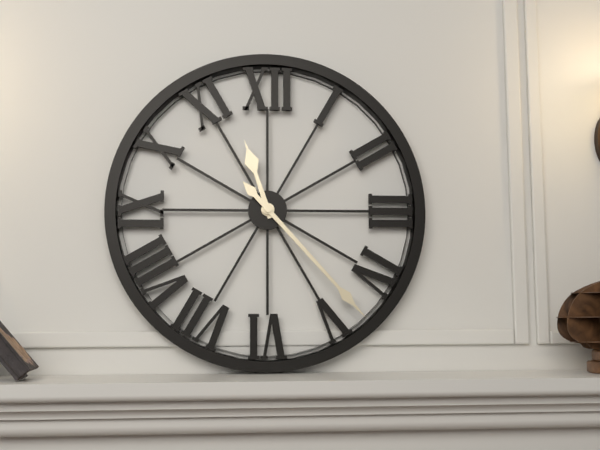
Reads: 11 h 23 min
